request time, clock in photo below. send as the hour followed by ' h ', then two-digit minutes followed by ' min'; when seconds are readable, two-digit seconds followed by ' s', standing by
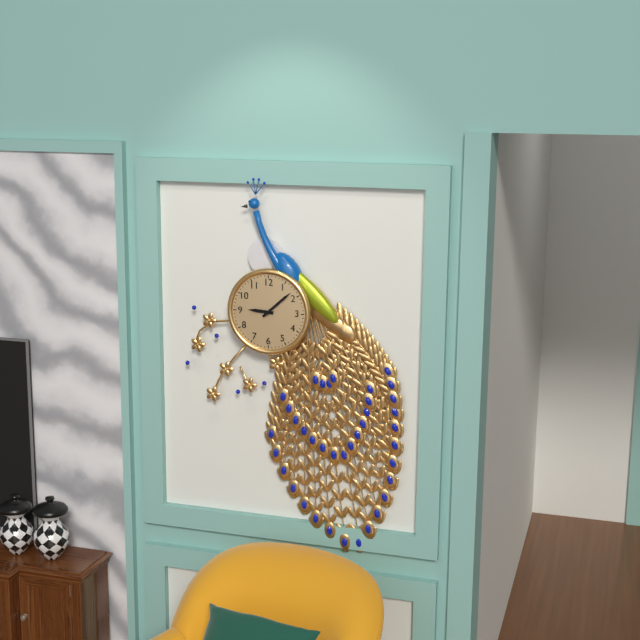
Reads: 9 h 08 min
